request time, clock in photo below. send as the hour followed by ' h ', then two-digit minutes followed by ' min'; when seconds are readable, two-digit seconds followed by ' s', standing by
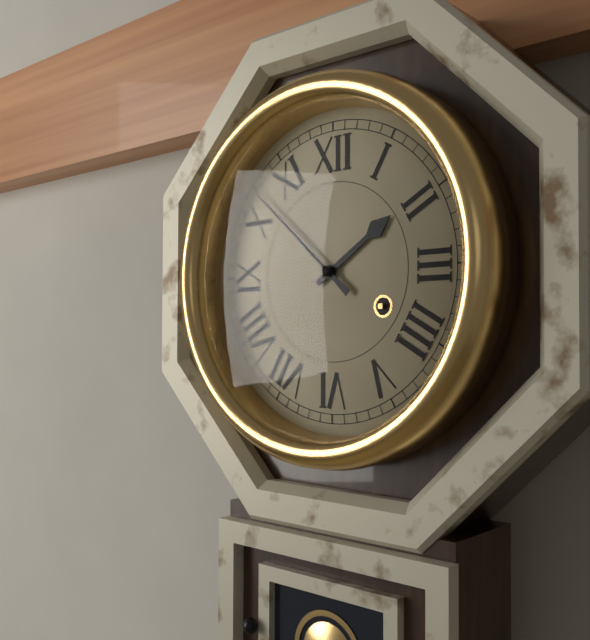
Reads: 1 h 52 min
